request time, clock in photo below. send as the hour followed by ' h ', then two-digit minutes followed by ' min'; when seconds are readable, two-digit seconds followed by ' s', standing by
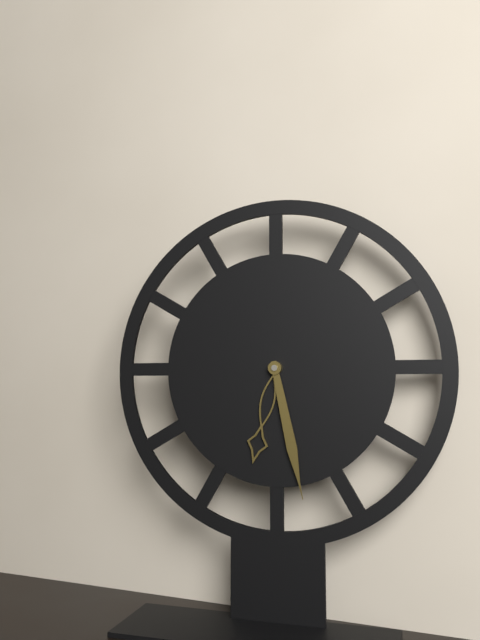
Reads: 6 h 28 min
